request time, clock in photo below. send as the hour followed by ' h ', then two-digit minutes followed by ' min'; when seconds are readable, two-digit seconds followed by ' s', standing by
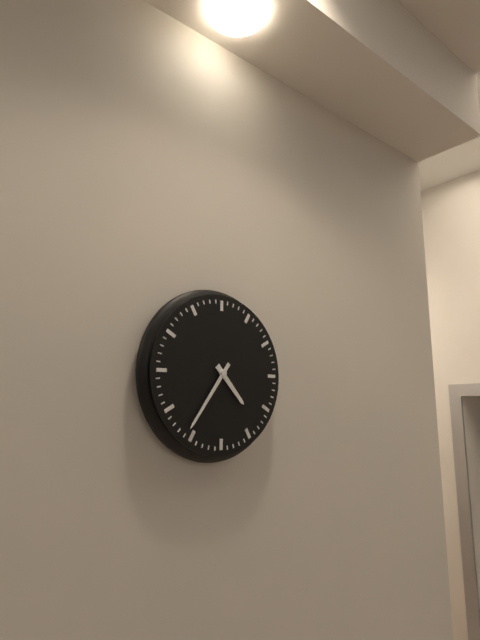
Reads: 4 h 36 min
